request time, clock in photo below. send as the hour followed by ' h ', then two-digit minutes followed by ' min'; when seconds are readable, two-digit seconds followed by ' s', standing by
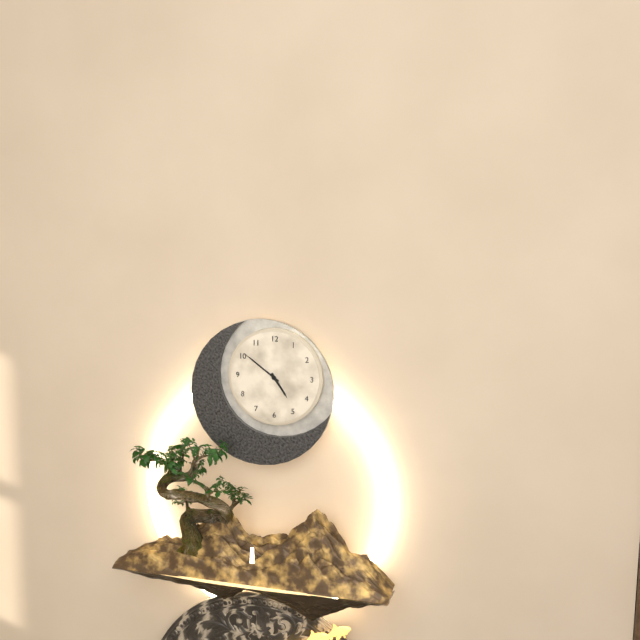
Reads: 4 h 51 min
